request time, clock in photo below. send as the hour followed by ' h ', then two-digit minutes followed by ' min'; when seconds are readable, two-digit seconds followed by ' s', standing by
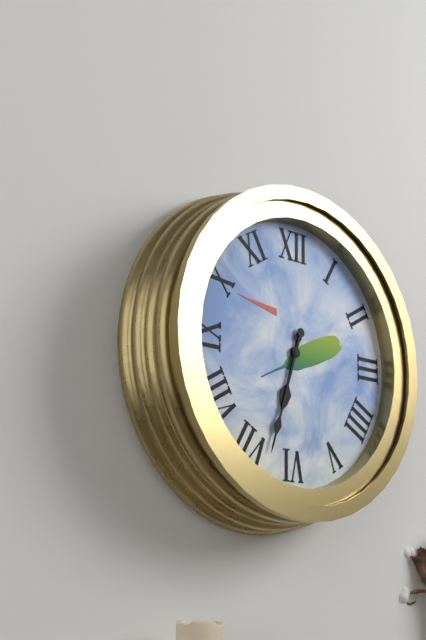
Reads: 6 h 33 min
